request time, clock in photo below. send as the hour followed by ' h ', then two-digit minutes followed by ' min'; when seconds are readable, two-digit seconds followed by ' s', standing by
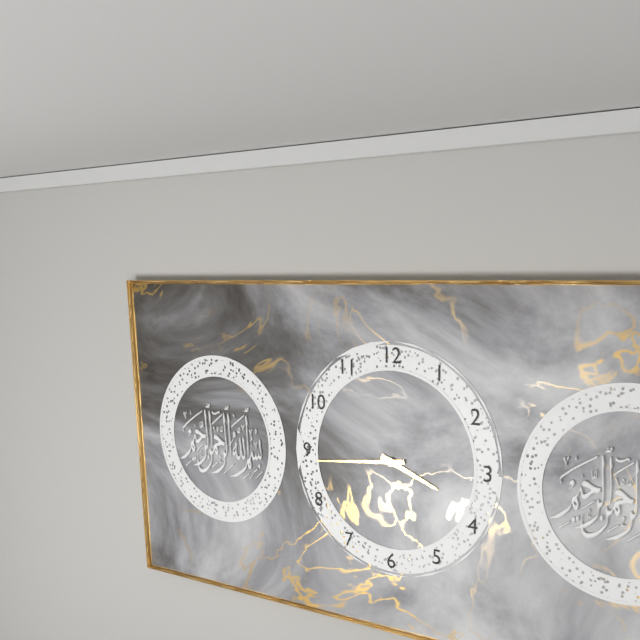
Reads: 3 h 44 min
